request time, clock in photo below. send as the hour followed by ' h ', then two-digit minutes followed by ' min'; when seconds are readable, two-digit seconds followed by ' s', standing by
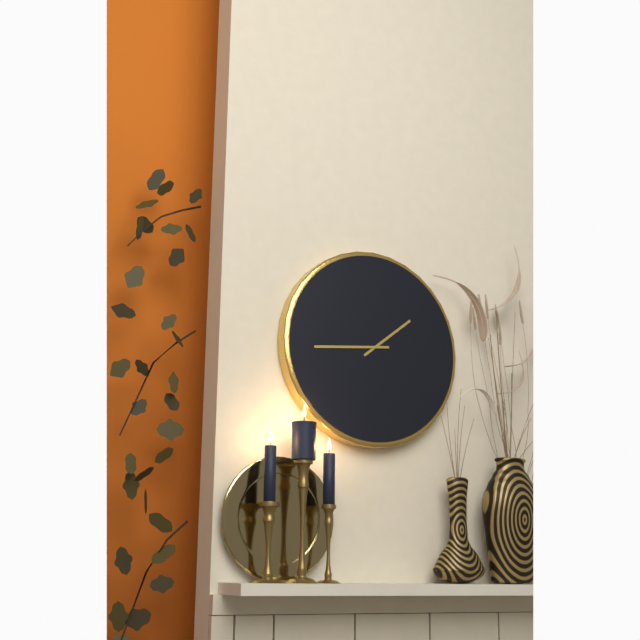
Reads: 1 h 44 min
